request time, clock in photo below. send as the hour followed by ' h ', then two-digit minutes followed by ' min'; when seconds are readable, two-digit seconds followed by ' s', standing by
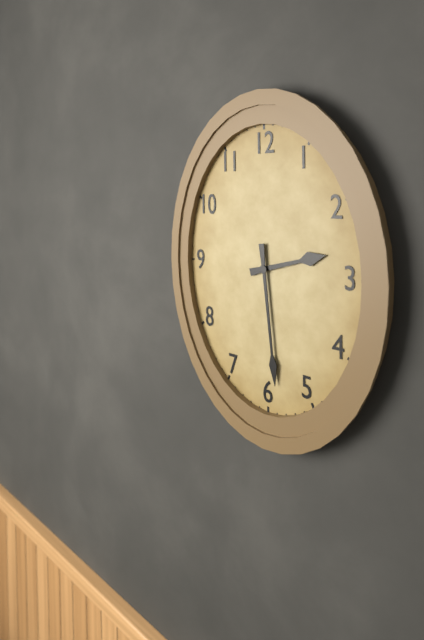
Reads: 2 h 29 min
